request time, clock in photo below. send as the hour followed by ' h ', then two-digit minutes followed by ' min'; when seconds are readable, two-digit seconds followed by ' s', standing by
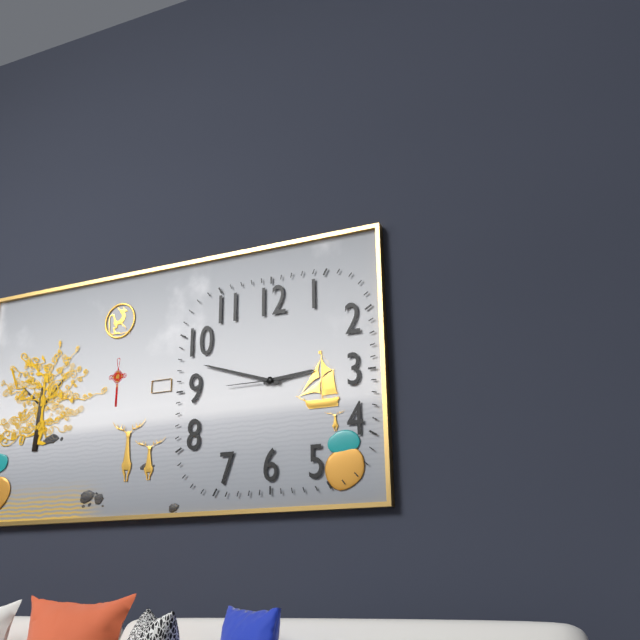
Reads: 2 h 48 min 45 s
